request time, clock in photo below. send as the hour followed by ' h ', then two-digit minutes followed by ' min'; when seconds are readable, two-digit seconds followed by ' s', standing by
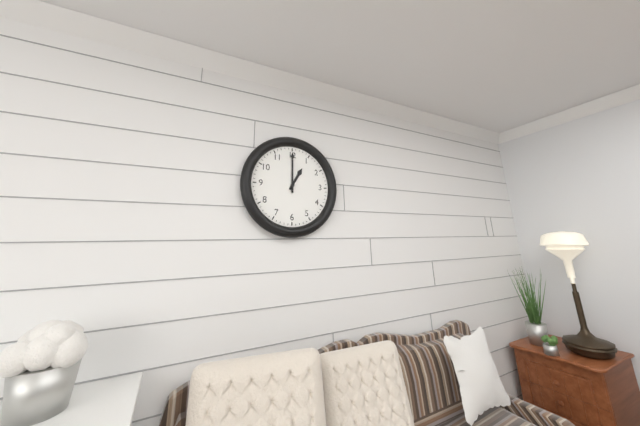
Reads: 1 h 00 min
